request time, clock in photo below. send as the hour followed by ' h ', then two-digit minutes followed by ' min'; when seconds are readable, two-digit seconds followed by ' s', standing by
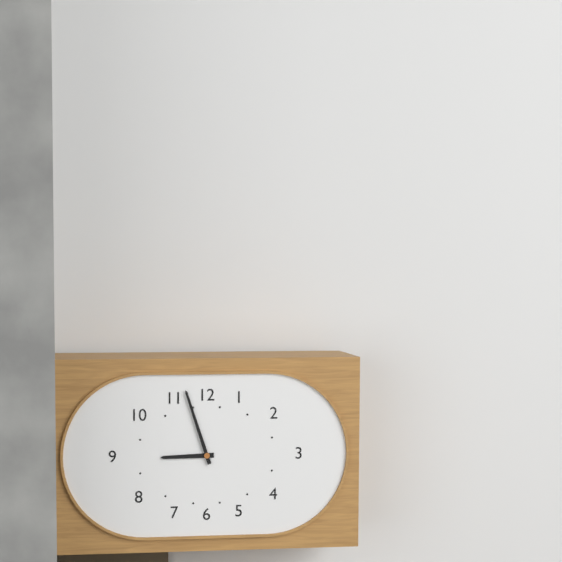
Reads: 8 h 57 min
